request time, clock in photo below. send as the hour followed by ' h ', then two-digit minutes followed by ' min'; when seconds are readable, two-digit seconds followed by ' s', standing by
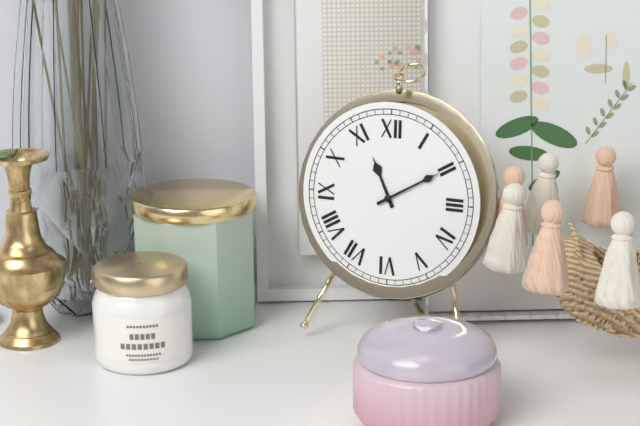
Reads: 11 h 10 min
